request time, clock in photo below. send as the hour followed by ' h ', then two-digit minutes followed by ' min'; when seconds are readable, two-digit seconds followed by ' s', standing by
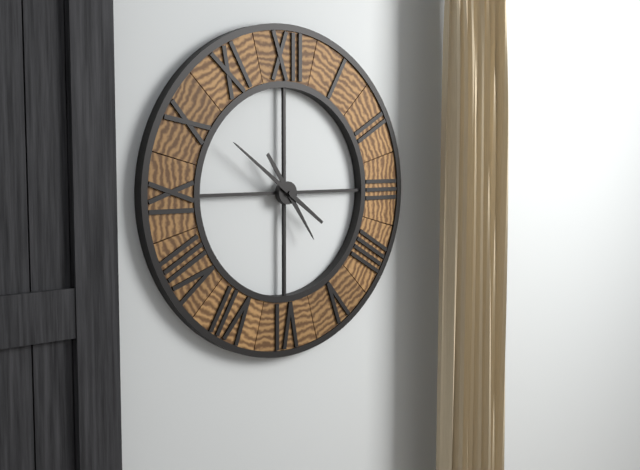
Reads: 4 h 51 min
